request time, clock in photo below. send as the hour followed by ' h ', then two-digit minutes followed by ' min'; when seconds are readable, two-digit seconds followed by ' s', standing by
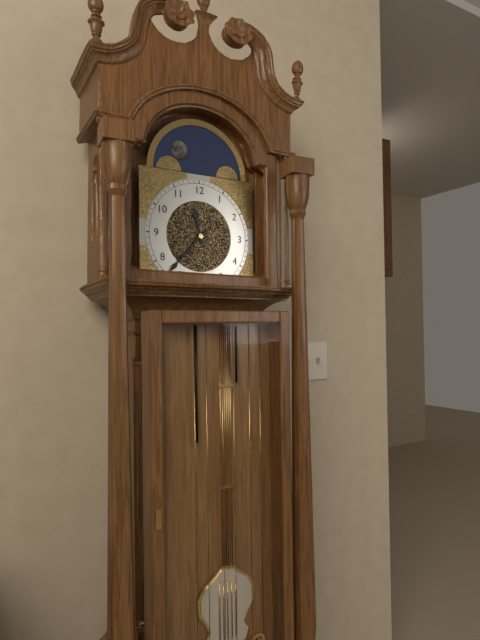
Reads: 11 h 37 min
